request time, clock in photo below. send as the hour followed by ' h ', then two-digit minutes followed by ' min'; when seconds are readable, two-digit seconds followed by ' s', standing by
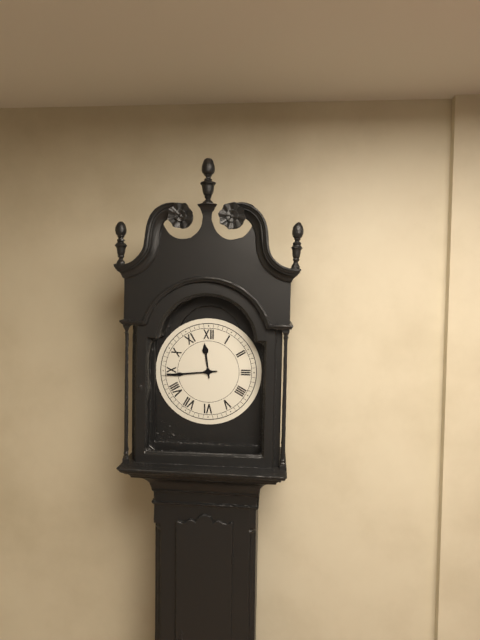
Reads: 11 h 44 min
